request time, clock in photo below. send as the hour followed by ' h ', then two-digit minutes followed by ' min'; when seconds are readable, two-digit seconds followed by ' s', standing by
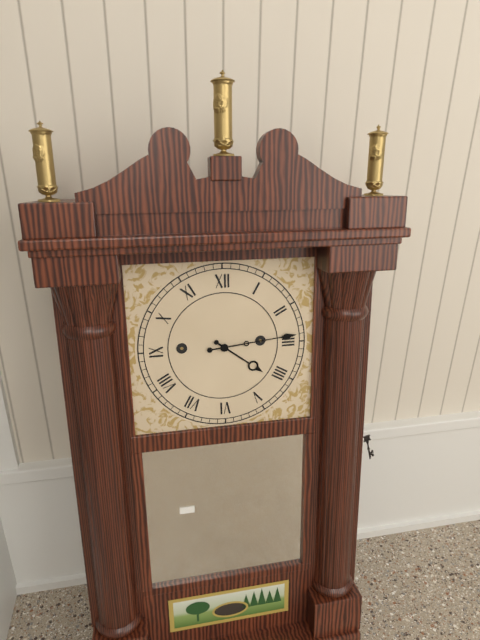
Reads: 4 h 14 min
